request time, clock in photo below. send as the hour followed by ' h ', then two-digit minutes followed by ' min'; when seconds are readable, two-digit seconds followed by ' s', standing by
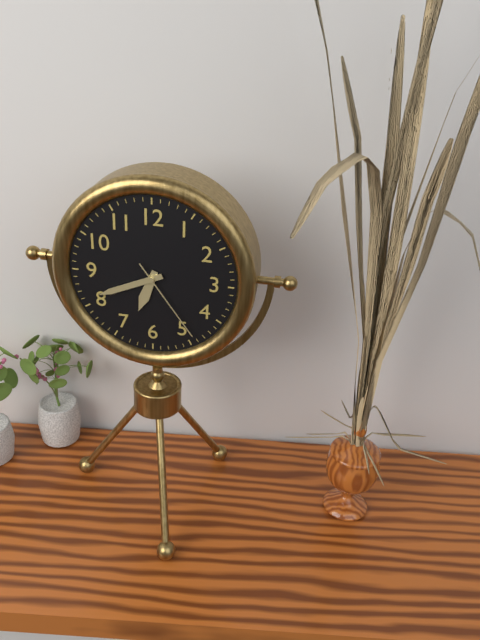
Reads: 6 h 41 min 24 s
